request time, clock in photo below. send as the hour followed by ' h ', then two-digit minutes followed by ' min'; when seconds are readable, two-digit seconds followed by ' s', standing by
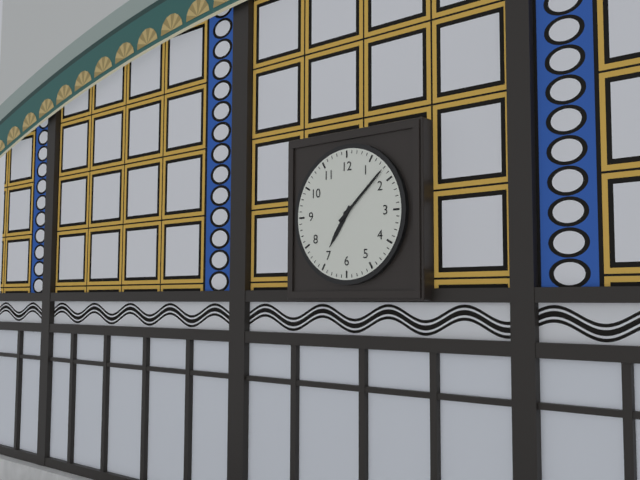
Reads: 7 h 08 min
